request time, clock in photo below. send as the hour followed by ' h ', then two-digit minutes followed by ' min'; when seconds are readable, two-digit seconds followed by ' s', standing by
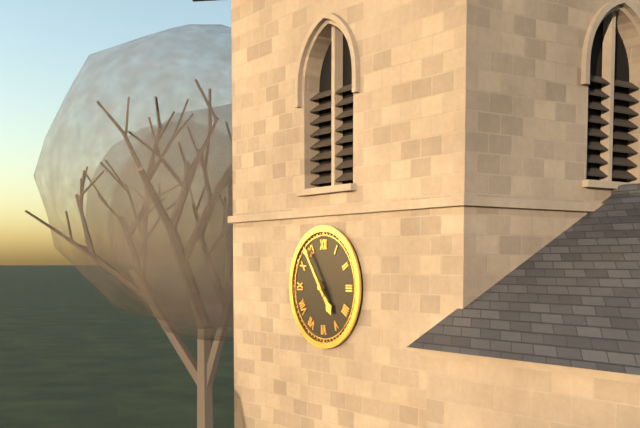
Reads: 4 h 54 min
